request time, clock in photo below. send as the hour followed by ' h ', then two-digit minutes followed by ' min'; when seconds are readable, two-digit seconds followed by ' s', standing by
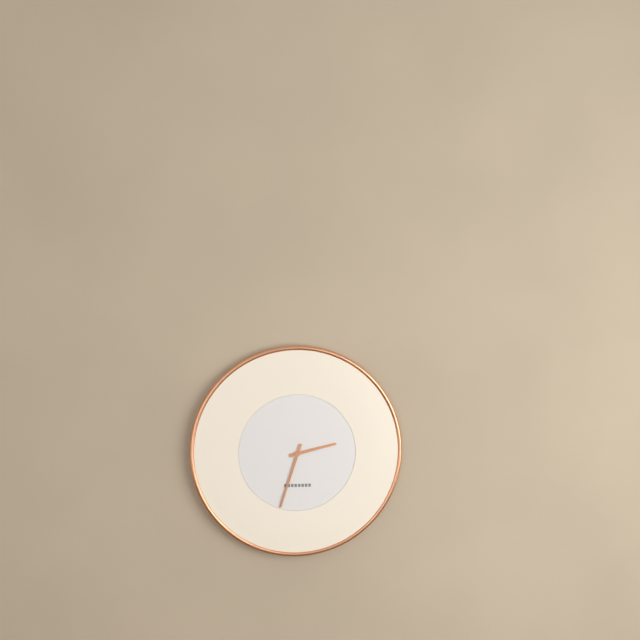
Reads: 2 h 33 min
